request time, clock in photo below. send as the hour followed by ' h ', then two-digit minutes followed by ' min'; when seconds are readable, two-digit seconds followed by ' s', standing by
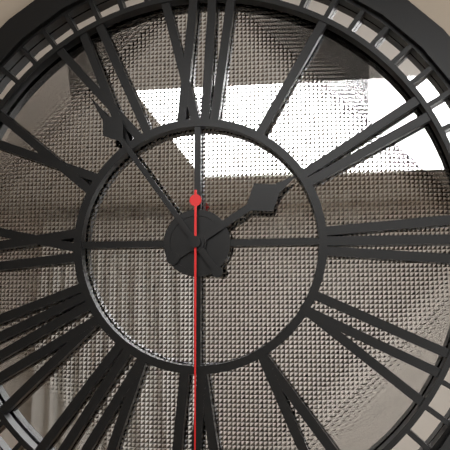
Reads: 1 h 54 min
